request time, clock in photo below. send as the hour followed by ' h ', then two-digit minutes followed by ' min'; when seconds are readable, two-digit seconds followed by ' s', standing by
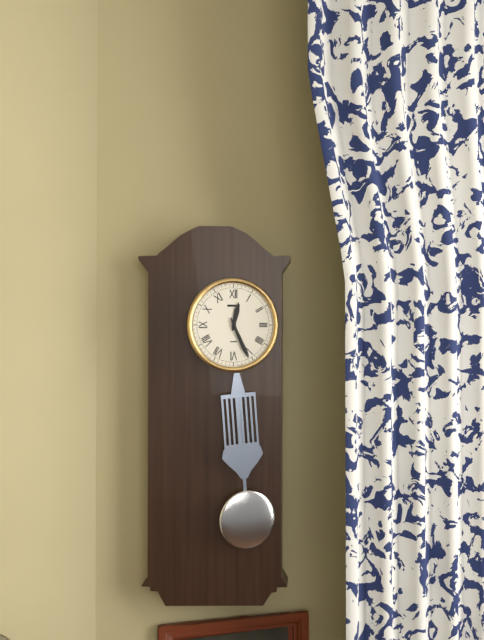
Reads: 12 h 26 min
